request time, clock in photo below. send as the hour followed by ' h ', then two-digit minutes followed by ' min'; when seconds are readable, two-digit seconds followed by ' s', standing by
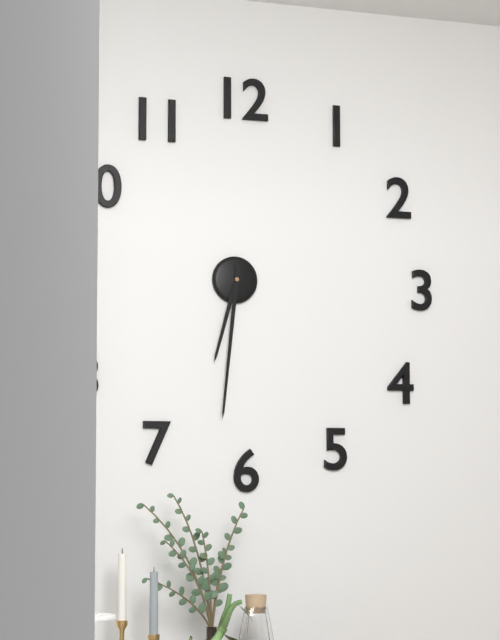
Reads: 6 h 31 min
